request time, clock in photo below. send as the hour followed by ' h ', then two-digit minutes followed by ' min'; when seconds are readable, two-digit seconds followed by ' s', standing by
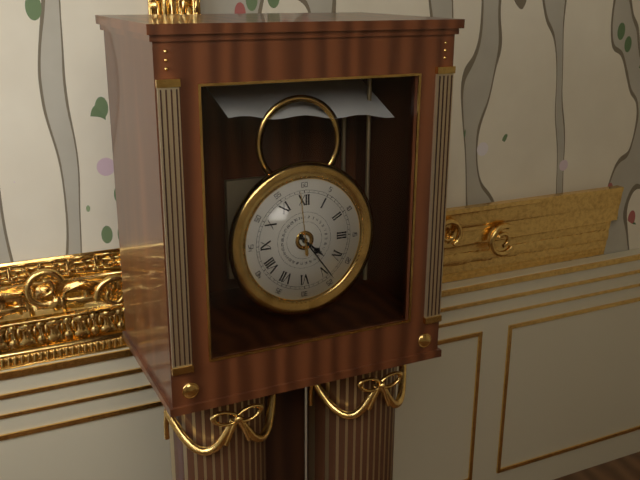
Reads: 4 h 24 min 59 s
